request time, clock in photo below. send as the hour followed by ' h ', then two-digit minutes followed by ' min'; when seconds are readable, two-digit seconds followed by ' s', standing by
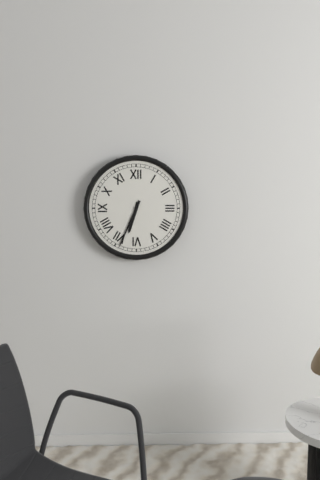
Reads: 6 h 34 min
